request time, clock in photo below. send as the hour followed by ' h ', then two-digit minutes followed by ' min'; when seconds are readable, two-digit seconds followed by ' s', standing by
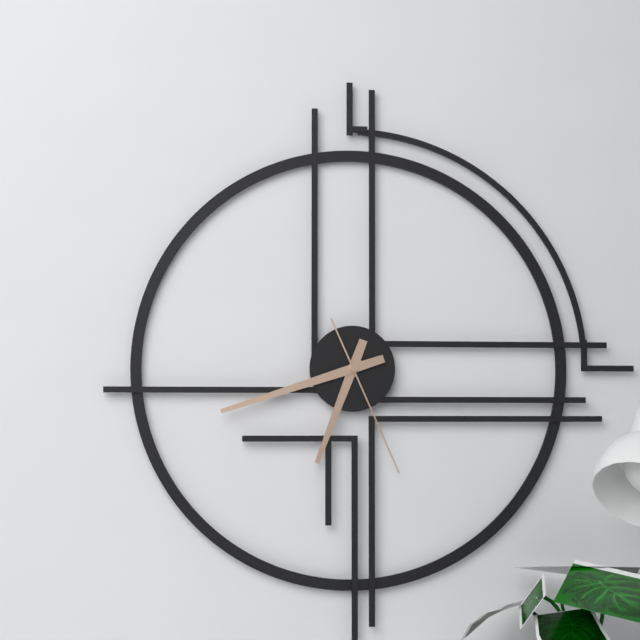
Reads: 6 h 42 min 26 s
